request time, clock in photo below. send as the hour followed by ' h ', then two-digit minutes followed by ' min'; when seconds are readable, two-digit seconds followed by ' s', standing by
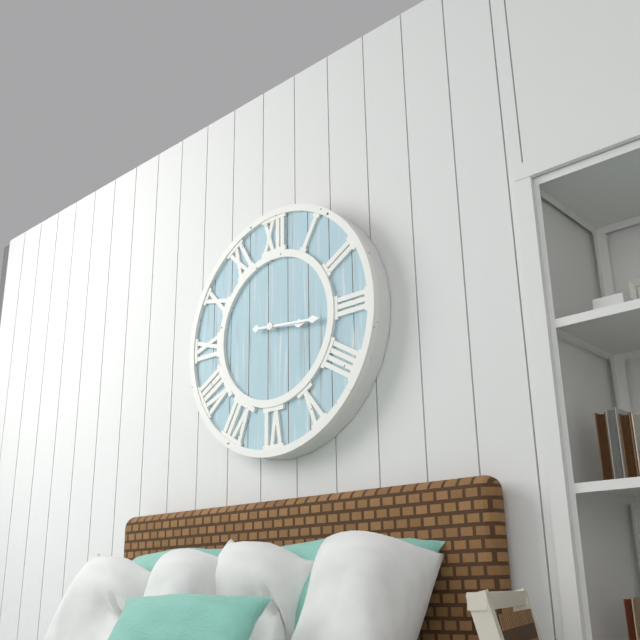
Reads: 3 h 16 min
